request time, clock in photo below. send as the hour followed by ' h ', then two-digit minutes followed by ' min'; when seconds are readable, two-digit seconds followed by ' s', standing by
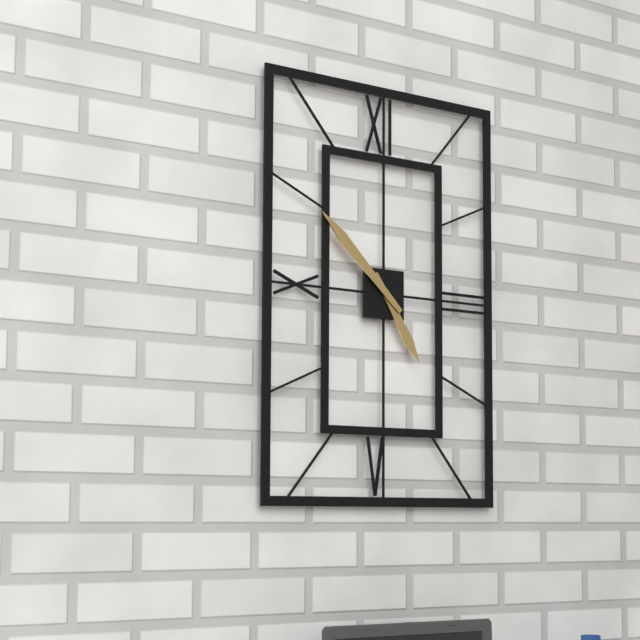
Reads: 4 h 52 min
